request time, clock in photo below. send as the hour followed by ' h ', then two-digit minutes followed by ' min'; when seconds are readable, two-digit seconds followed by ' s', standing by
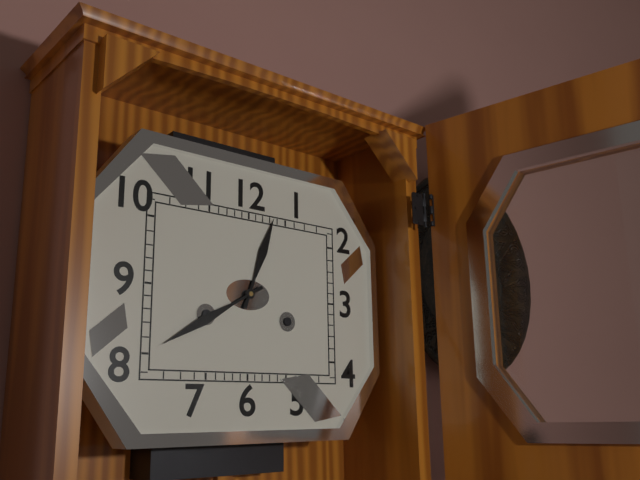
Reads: 12 h 40 min
